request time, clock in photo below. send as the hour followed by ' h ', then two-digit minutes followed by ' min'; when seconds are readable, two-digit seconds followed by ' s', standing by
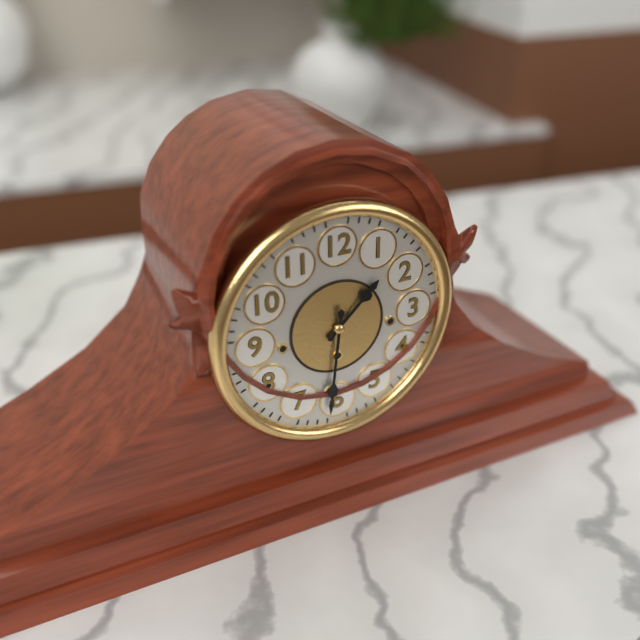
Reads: 1 h 31 min
